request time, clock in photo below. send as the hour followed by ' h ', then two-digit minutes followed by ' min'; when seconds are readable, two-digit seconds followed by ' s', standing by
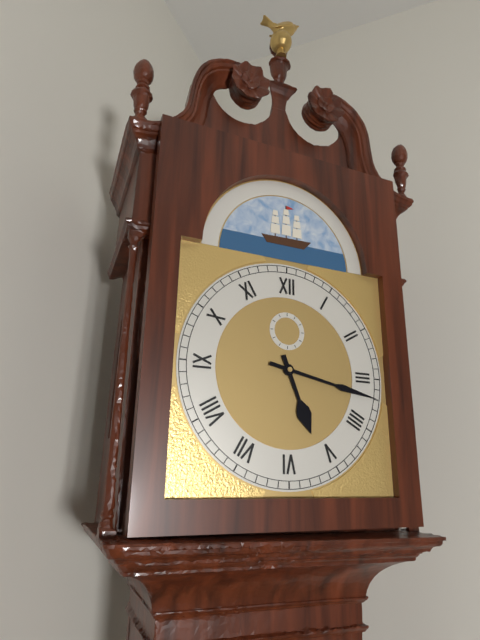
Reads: 5 h 17 min
